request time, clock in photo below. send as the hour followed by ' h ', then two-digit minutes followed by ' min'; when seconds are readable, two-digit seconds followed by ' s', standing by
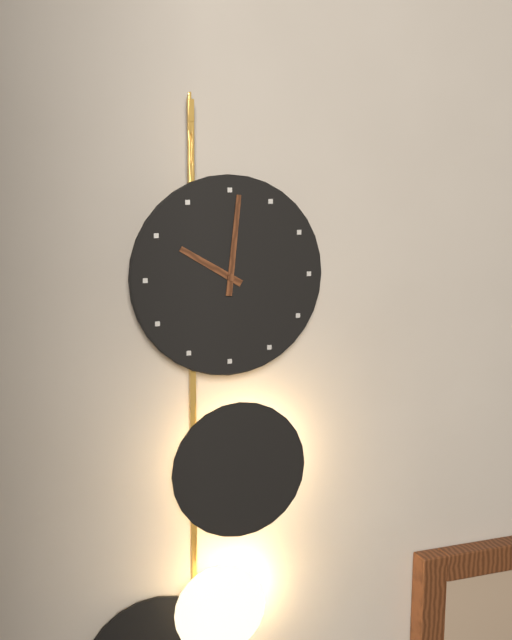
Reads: 10 h 01 min
